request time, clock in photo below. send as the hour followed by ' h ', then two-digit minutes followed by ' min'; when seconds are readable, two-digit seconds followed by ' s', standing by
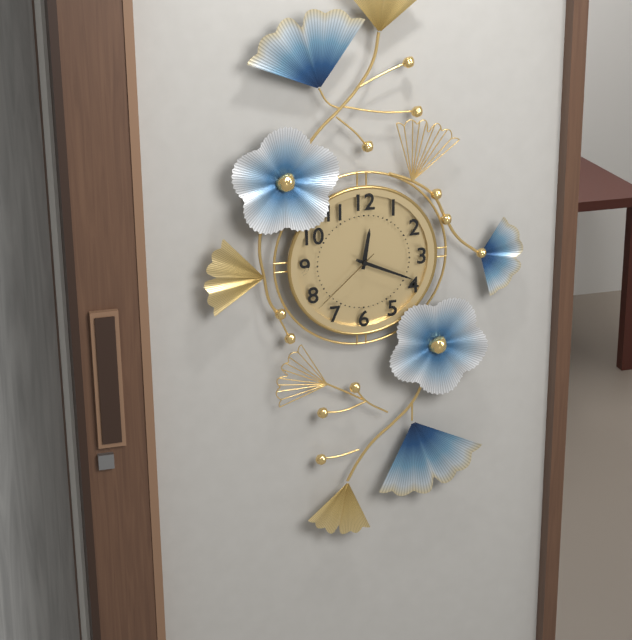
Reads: 12 h 19 min 38 s
